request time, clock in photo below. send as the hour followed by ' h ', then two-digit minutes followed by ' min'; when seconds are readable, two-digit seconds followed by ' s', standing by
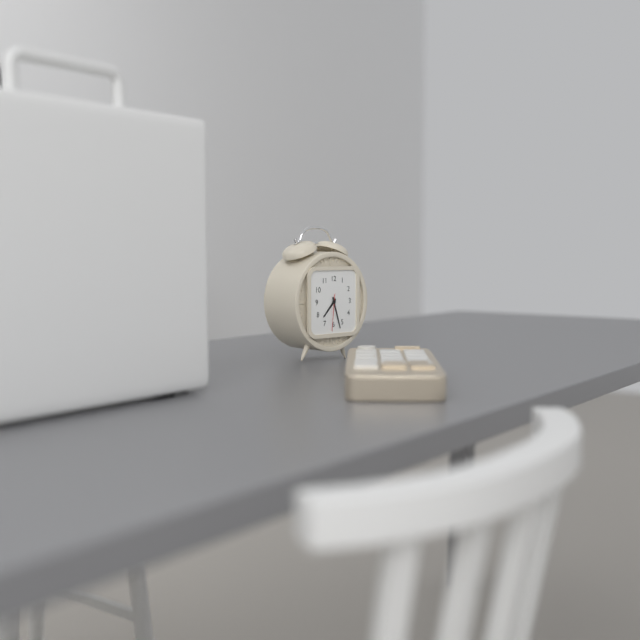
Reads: 7 h 27 min
